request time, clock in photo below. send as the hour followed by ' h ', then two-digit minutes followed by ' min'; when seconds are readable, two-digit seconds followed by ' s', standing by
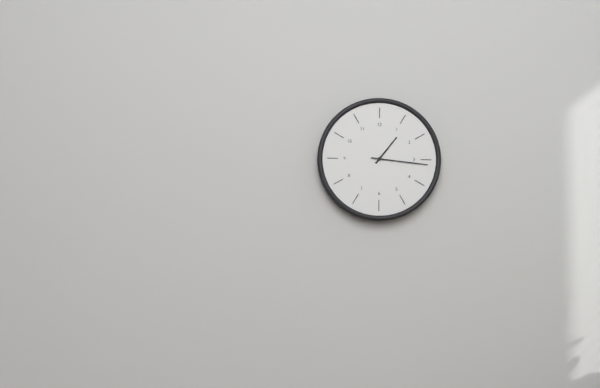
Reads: 1 h 16 min
